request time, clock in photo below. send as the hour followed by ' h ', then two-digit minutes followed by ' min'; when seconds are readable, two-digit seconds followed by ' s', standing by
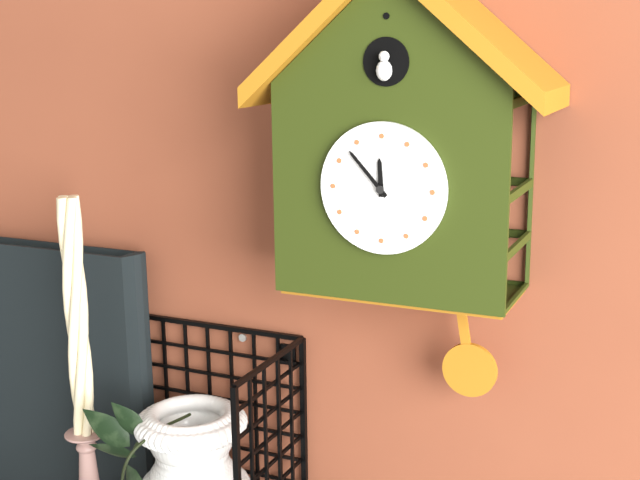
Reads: 11 h 53 min
